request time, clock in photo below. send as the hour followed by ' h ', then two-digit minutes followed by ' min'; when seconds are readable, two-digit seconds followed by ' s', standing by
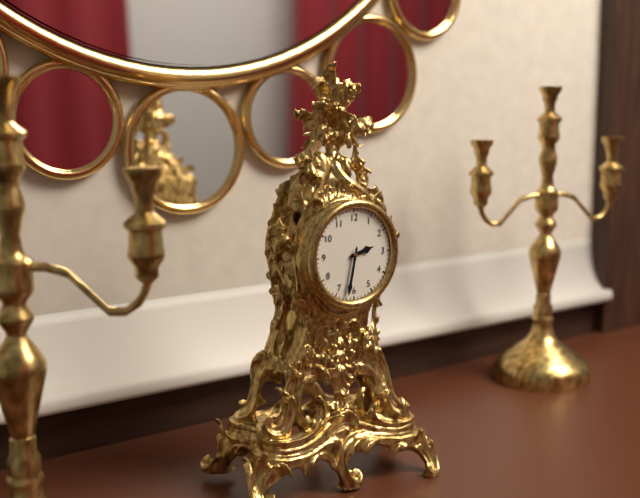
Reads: 2 h 32 min
